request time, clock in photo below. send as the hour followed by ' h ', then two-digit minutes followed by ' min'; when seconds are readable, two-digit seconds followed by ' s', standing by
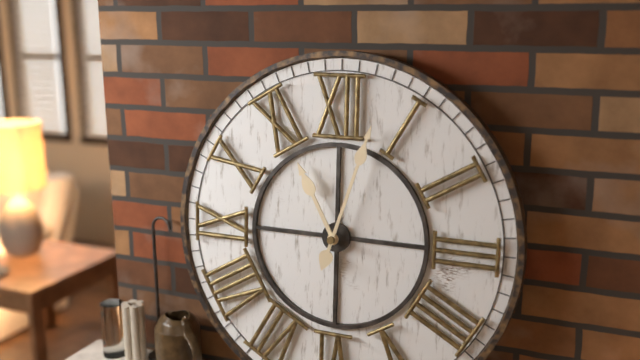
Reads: 11 h 03 min
